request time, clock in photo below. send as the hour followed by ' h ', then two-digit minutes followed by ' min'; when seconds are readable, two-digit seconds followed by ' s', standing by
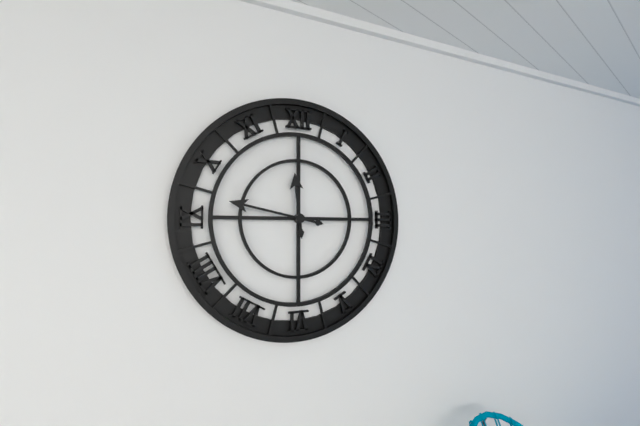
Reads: 11 h 47 min
